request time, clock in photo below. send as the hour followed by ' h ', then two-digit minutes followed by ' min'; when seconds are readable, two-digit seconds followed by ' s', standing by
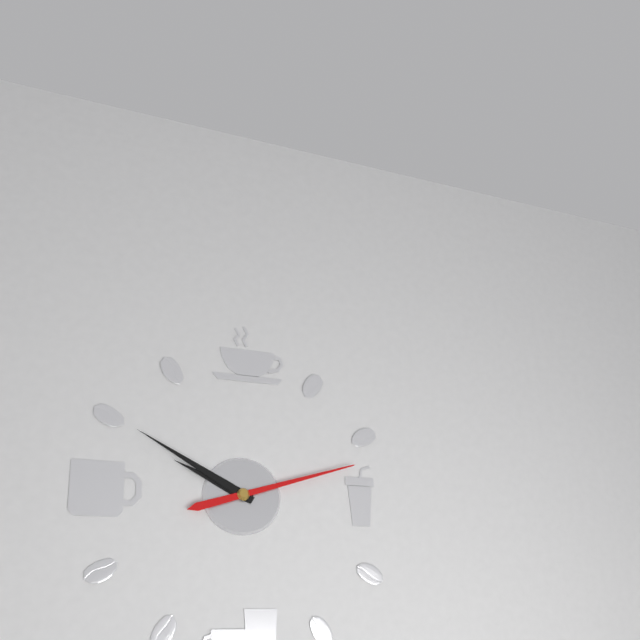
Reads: 9 h 50 min 12 s
